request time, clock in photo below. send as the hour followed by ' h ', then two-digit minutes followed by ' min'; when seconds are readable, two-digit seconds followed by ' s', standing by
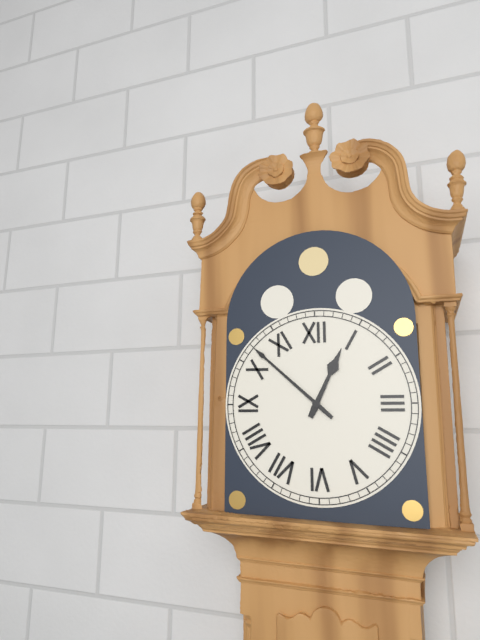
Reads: 12 h 52 min
